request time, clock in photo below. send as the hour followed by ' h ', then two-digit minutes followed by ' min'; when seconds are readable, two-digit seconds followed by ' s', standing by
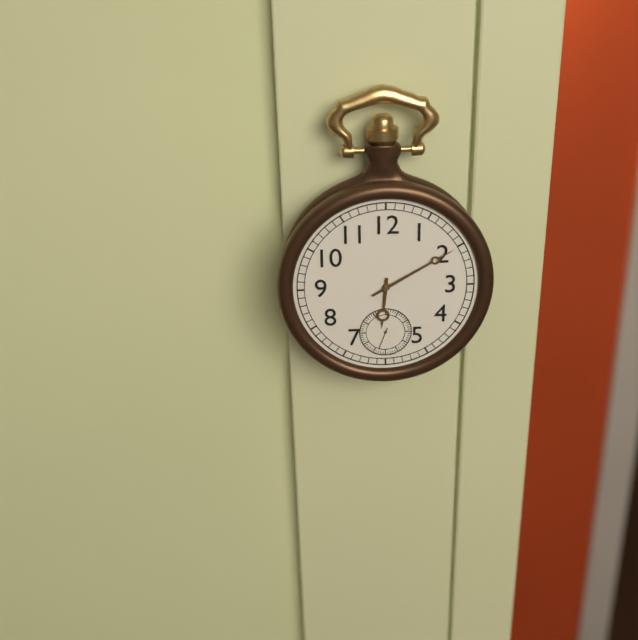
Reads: 6 h 10 min
